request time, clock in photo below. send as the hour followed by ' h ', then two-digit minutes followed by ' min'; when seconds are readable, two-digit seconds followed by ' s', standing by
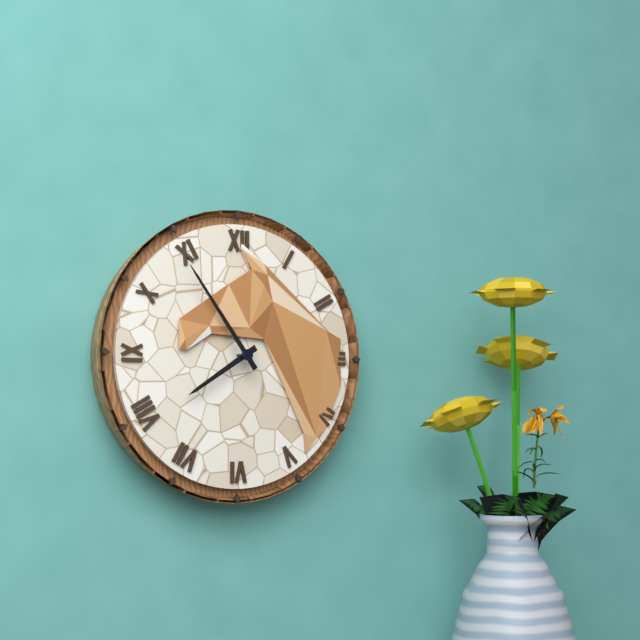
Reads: 7 h 54 min
